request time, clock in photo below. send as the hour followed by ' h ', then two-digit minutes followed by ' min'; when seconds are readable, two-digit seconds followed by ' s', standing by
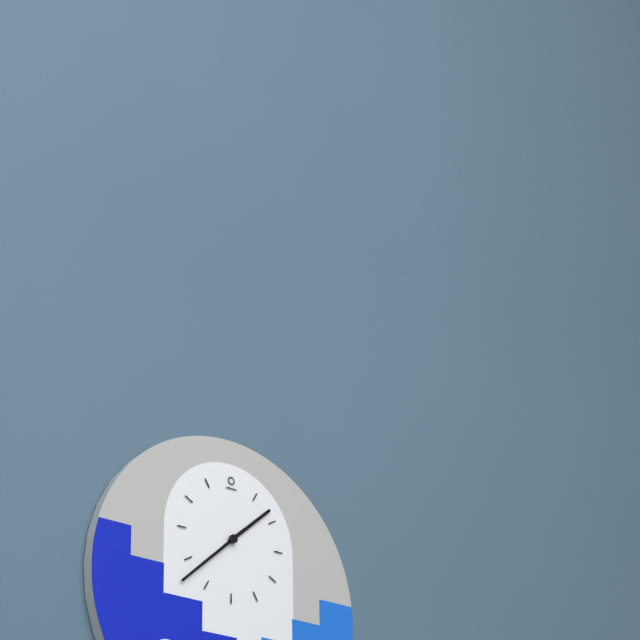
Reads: 1 h 38 min
